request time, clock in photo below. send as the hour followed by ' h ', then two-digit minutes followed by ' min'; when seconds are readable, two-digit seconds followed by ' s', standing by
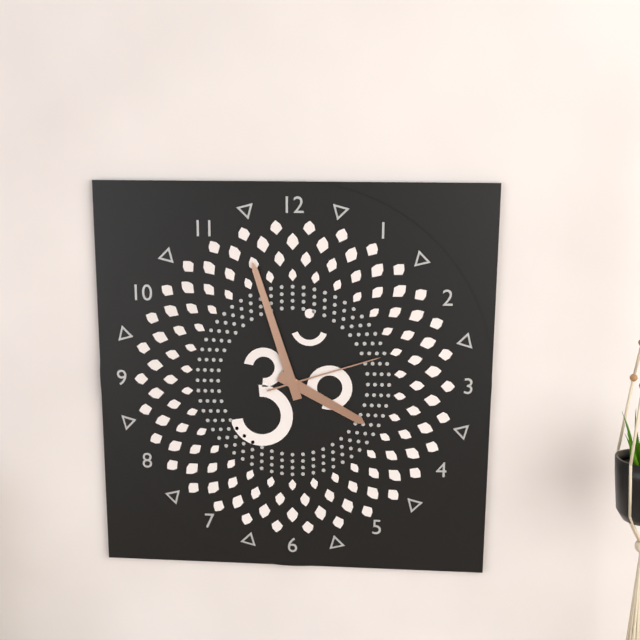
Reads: 3 h 57 min 12 s
